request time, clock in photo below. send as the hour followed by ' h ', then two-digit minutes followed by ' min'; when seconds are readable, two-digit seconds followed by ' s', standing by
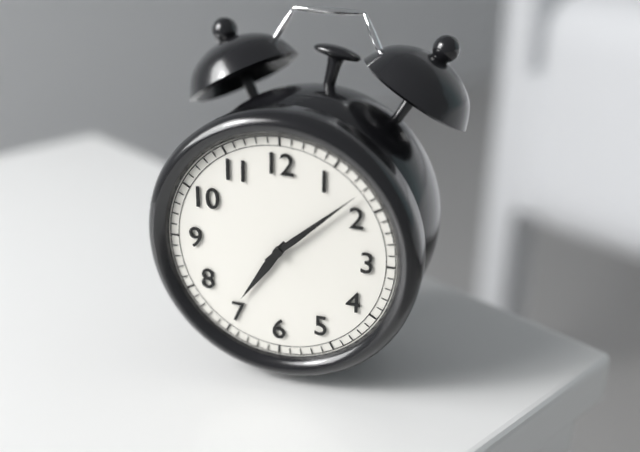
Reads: 7 h 08 min
